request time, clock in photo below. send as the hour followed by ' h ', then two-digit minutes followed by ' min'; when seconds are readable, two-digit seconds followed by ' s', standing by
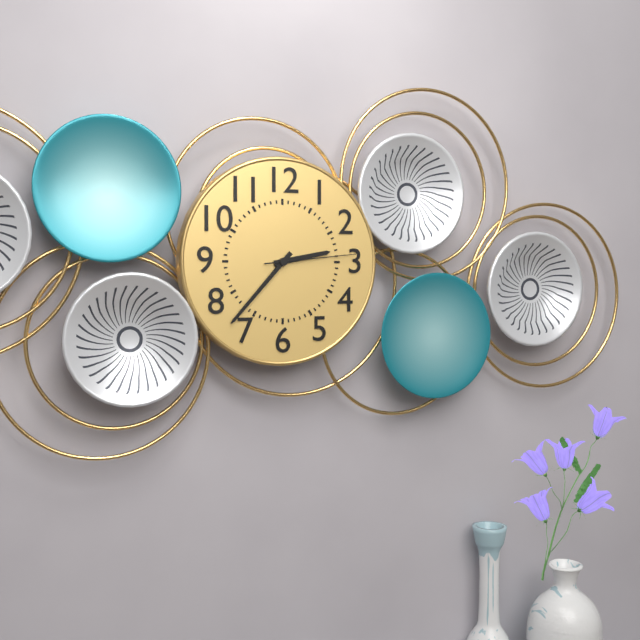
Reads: 2 h 37 min 14 s
